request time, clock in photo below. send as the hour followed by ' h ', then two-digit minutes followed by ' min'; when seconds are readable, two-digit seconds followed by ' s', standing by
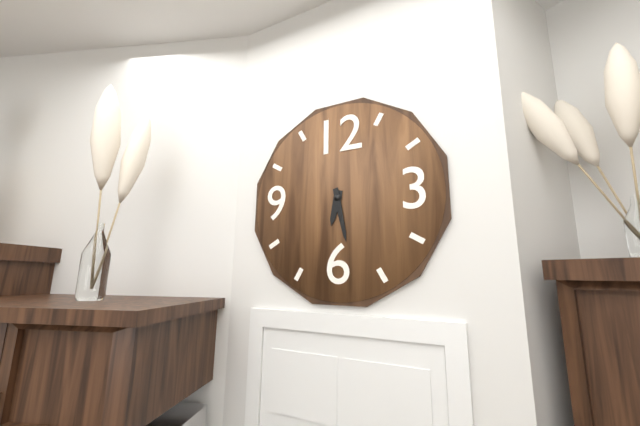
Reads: 6 h 28 min
